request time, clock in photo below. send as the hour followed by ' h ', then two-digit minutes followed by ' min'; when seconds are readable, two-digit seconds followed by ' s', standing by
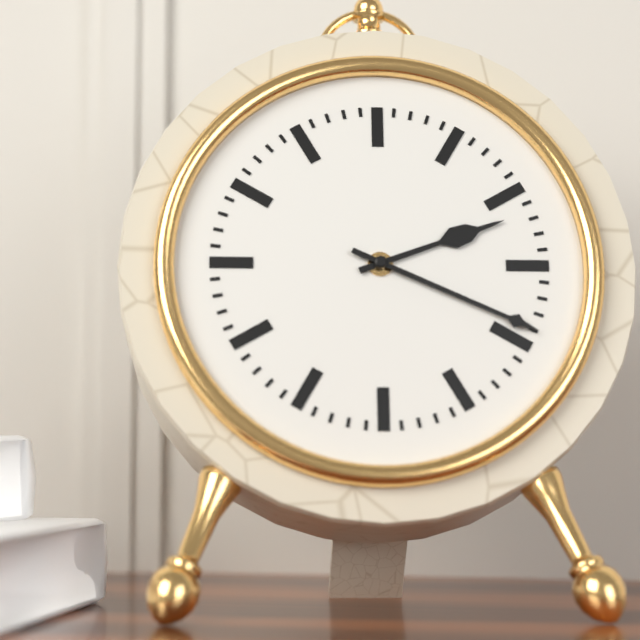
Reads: 2 h 19 min
